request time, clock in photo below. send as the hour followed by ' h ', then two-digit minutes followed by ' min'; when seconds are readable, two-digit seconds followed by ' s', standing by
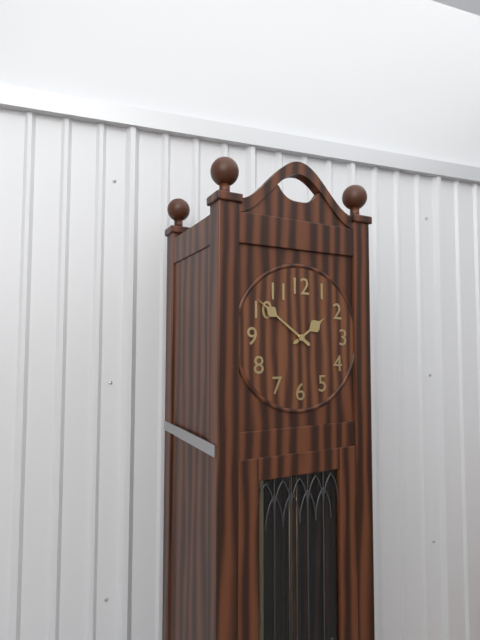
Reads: 1 h 51 min
